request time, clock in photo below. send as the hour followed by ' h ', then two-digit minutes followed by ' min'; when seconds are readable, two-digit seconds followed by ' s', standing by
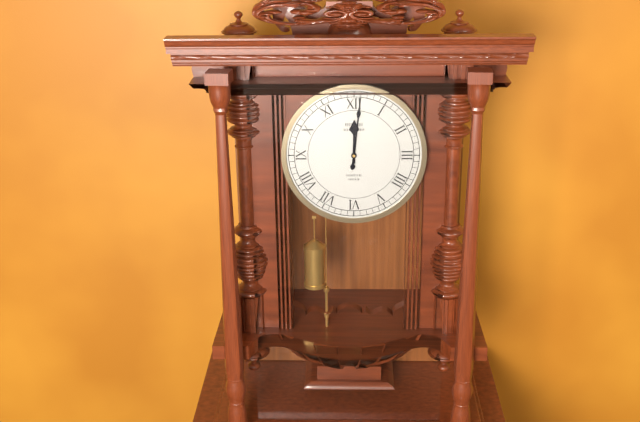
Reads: 12 h 01 min
